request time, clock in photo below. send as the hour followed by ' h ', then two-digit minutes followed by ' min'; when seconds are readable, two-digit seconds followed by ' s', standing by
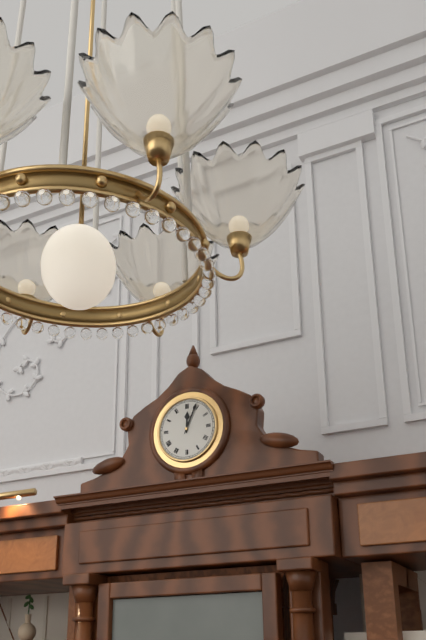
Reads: 12 h 04 min
